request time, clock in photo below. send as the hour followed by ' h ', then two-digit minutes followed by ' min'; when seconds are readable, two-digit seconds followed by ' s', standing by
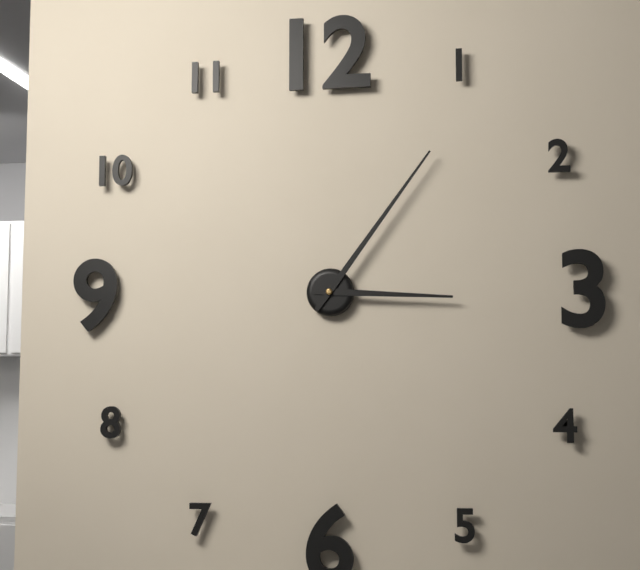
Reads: 3 h 06 min
